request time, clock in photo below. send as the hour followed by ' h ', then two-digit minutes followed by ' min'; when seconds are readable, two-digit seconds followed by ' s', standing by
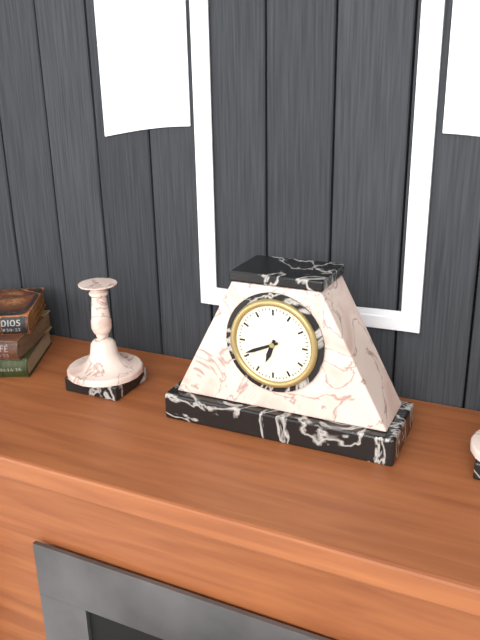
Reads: 6 h 41 min
